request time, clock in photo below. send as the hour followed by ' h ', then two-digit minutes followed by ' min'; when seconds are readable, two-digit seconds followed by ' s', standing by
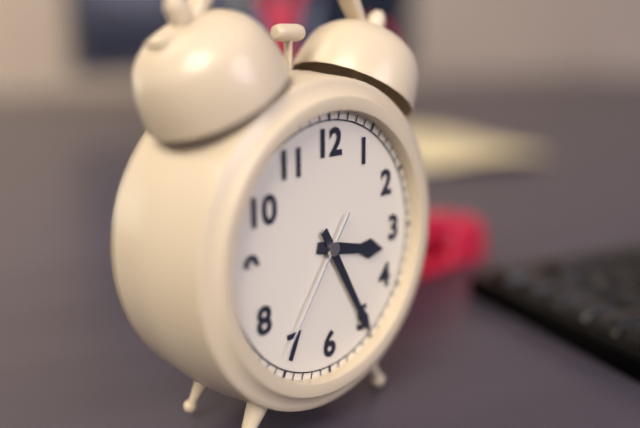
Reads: 3 h 25 min 36 s
